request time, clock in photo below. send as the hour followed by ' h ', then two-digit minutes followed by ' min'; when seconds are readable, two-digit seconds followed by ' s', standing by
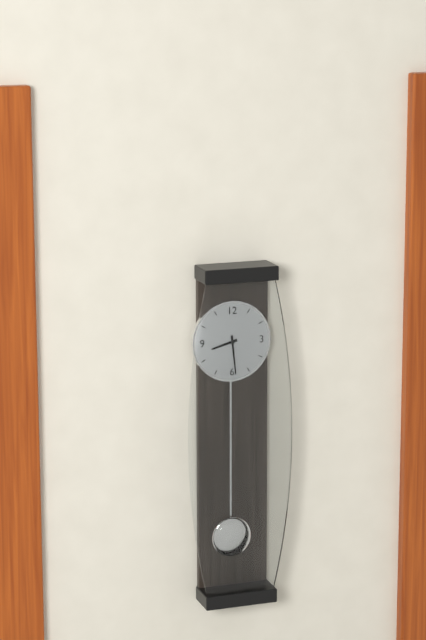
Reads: 8 h 29 min
